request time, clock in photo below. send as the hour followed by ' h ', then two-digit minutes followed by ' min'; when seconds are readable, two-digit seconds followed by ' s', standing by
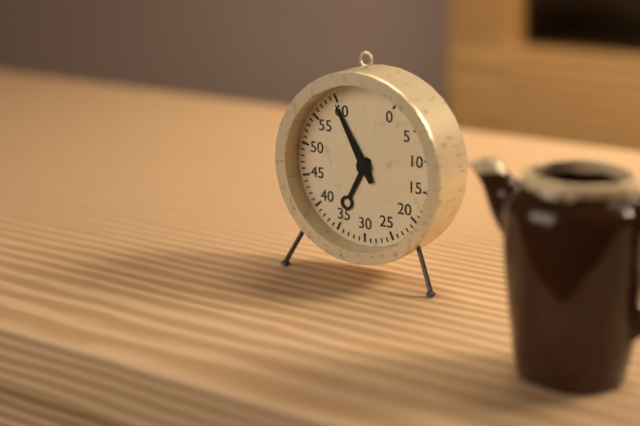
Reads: 6 h 55 min
